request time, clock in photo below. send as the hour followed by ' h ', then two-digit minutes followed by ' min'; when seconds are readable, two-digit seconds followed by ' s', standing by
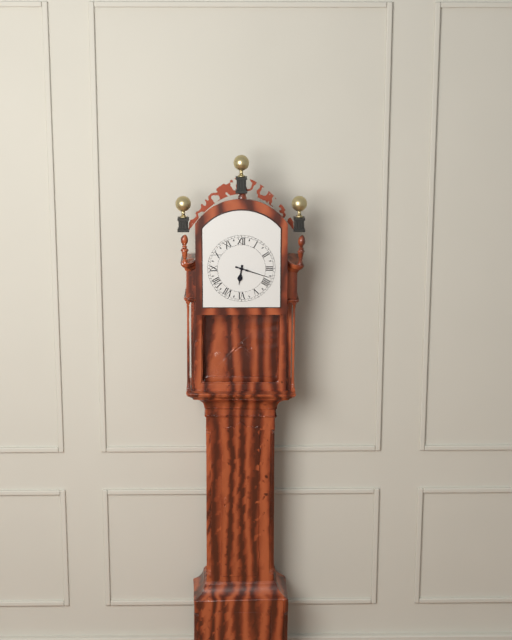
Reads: 6 h 18 min
